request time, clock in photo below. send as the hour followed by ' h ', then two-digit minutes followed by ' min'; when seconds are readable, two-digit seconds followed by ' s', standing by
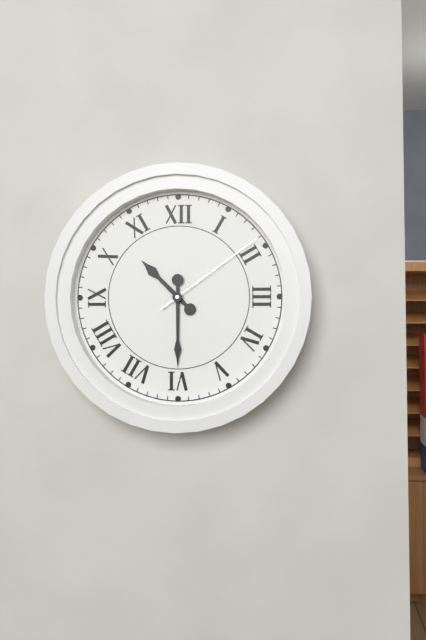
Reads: 10 h 30 min 09 s
